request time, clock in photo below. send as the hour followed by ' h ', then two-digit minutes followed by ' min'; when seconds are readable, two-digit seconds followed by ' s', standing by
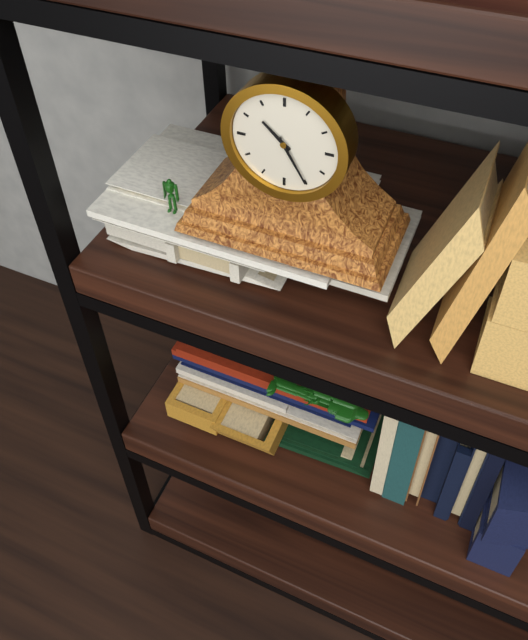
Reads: 10 h 25 min
